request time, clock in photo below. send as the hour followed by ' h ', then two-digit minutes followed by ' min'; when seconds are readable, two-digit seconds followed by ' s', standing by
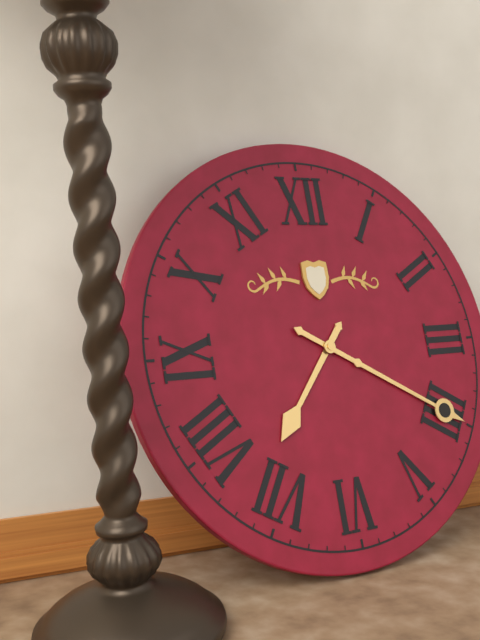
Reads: 7 h 20 min
